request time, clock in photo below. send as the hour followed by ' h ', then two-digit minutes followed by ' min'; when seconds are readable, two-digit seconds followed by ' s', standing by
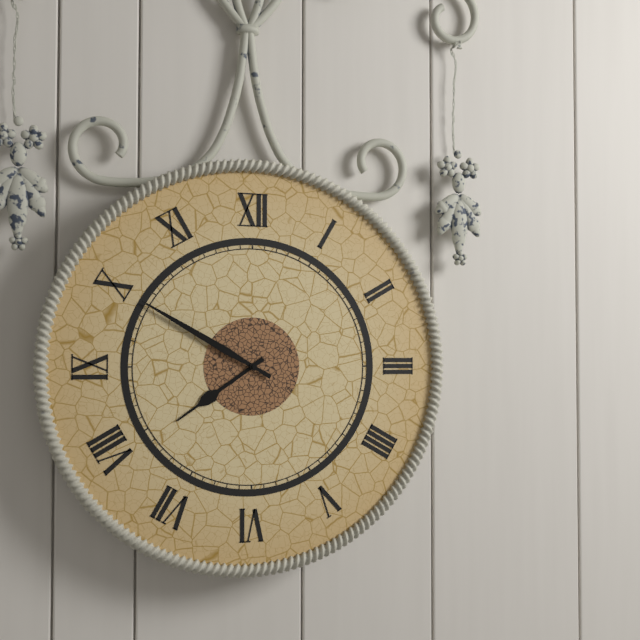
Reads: 7 h 50 min
